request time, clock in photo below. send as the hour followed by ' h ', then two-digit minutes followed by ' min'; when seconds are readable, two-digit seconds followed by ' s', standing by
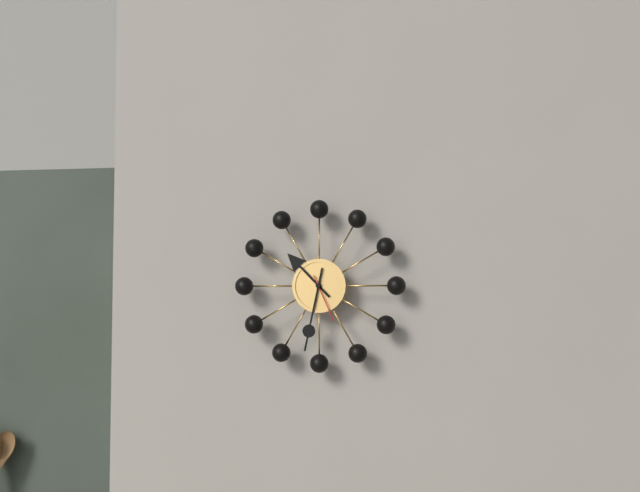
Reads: 10 h 32 min
